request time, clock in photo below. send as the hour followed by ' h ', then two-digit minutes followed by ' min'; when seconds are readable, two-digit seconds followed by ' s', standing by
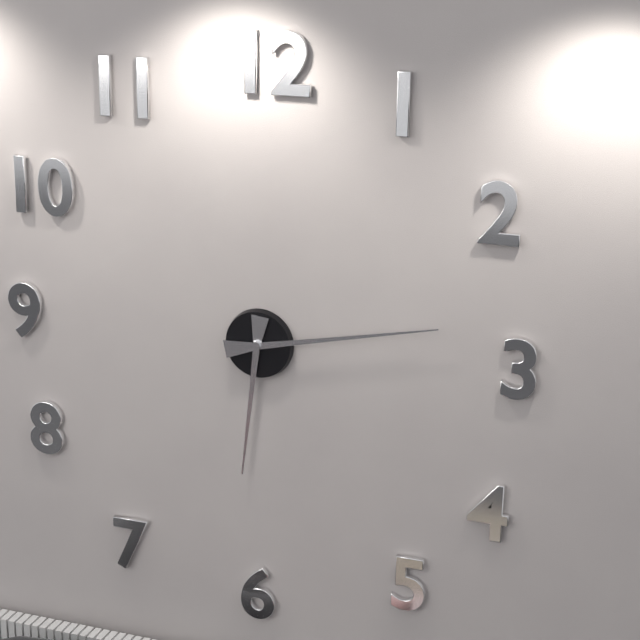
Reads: 6 h 13 min
